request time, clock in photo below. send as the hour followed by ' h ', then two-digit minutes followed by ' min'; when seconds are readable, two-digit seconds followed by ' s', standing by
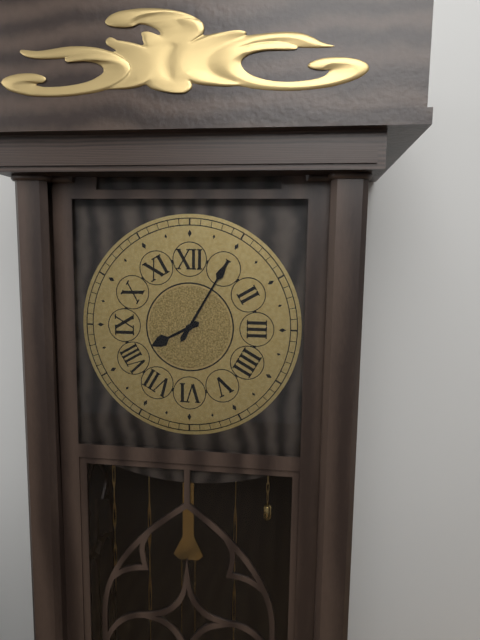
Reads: 8 h 05 min
